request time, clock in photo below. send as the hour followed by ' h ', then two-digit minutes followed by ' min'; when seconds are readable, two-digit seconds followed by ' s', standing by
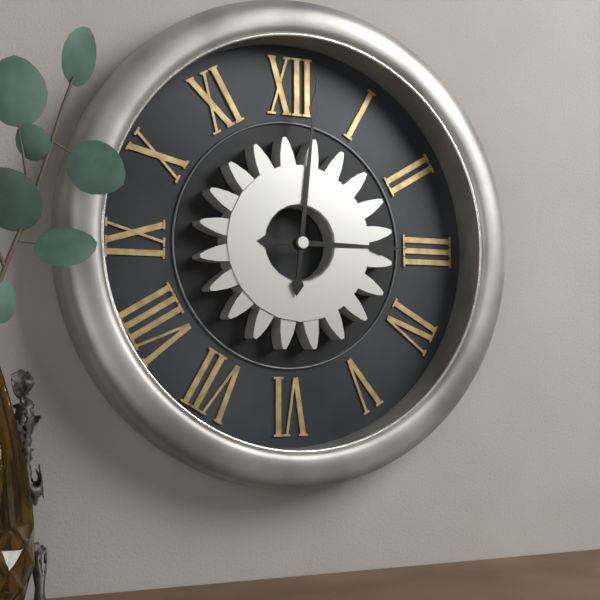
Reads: 3 h 01 min
